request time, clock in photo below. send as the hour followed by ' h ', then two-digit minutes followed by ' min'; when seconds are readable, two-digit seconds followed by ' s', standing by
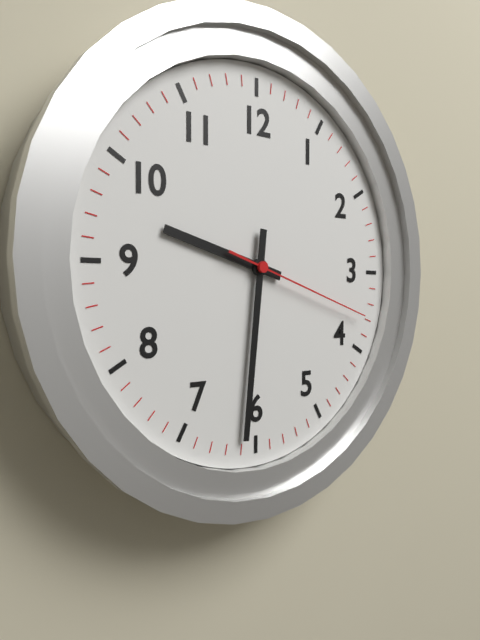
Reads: 9 h 31 min 18 s
